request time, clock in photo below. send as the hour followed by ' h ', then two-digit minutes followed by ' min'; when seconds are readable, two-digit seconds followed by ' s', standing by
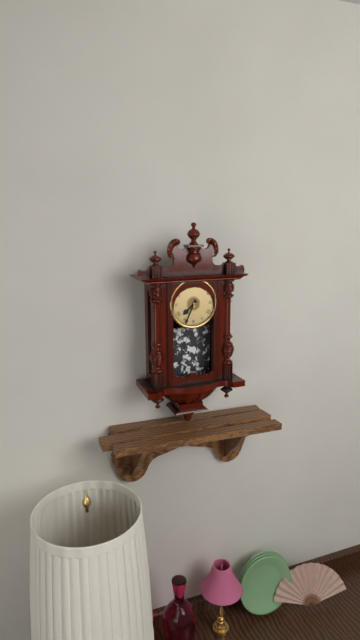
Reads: 7 h 34 min
